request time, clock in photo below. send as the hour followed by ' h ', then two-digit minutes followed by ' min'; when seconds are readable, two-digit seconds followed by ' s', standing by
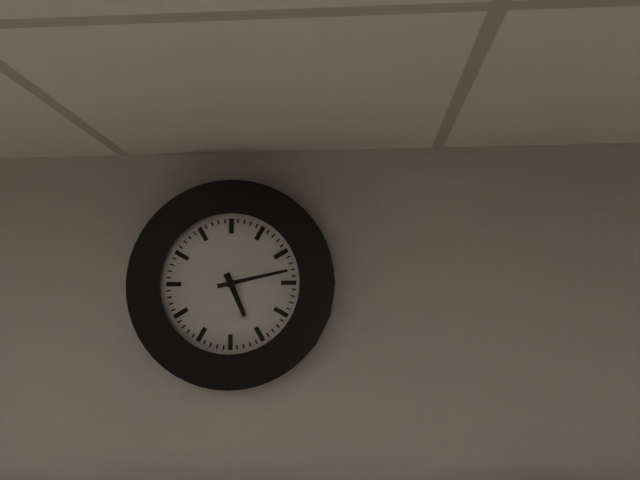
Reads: 5 h 13 min
